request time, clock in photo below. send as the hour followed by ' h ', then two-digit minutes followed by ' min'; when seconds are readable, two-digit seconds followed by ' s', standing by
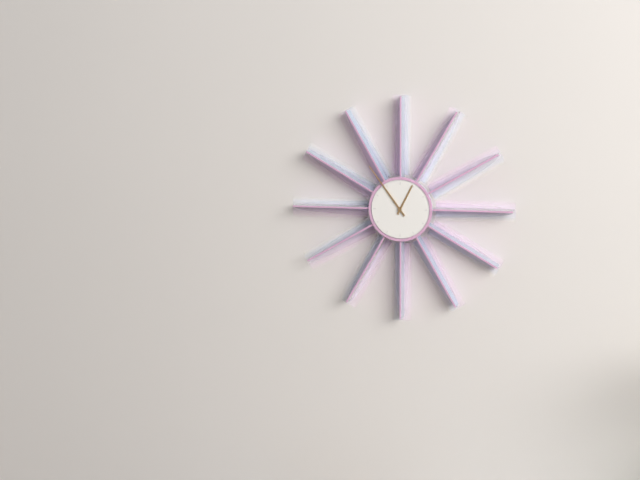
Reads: 12 h 54 min
